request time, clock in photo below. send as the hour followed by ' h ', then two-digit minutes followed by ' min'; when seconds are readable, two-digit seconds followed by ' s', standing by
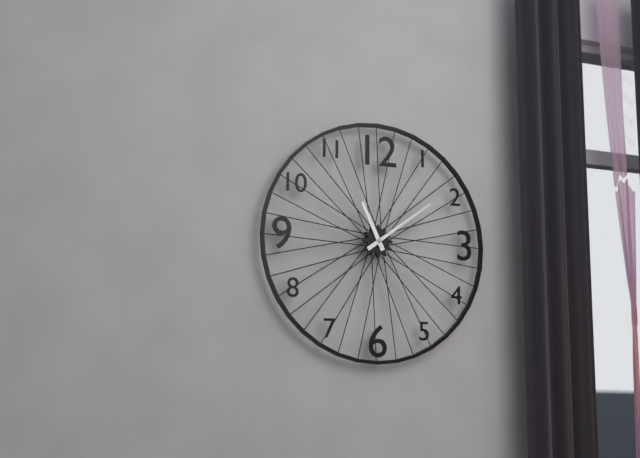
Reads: 11 h 09 min
